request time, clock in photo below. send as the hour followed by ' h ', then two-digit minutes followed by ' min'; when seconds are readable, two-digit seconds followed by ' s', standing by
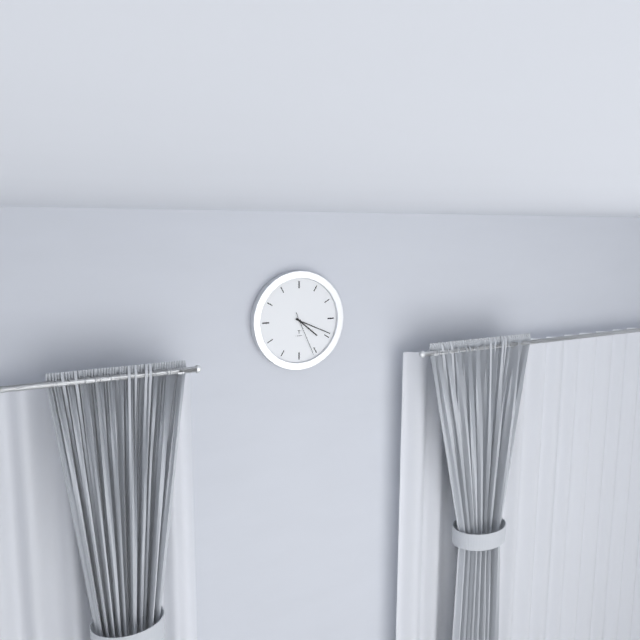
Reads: 4 h 19 min
